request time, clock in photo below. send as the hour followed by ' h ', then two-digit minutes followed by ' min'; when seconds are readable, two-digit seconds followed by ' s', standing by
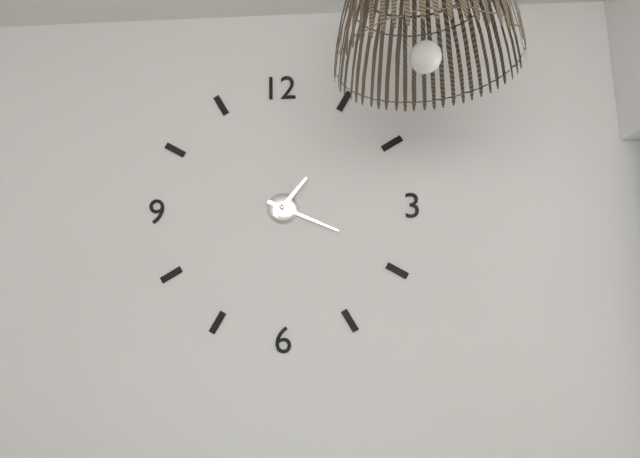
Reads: 1 h 19 min
